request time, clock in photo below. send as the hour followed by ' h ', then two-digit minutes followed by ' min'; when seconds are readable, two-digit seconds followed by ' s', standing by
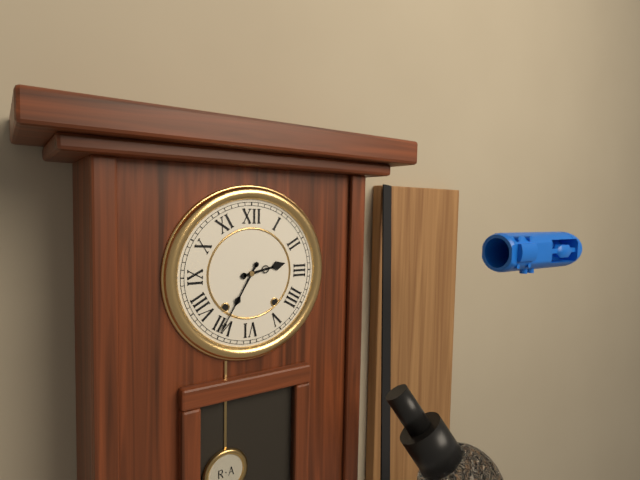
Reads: 2 h 35 min
